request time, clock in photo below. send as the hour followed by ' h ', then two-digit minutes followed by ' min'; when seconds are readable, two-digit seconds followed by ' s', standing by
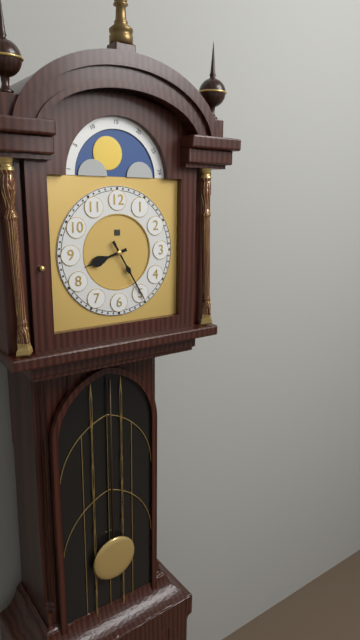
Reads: 8 h 25 min
